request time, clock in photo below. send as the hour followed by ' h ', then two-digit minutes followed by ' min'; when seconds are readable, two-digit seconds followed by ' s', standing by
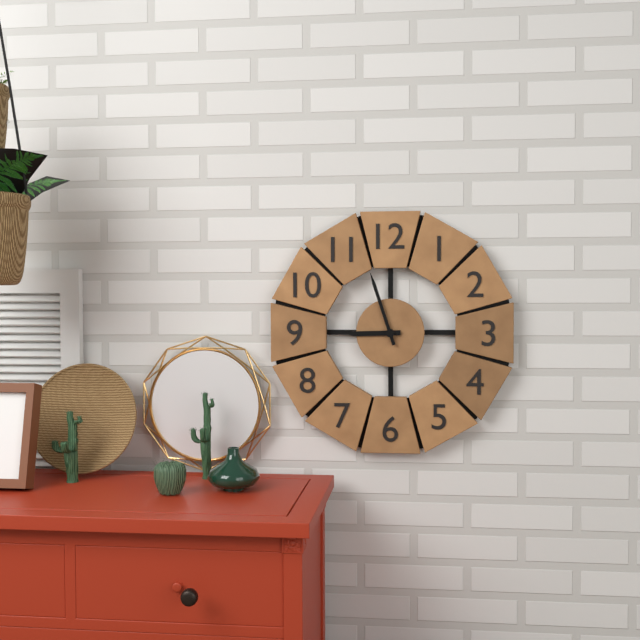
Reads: 8 h 57 min
